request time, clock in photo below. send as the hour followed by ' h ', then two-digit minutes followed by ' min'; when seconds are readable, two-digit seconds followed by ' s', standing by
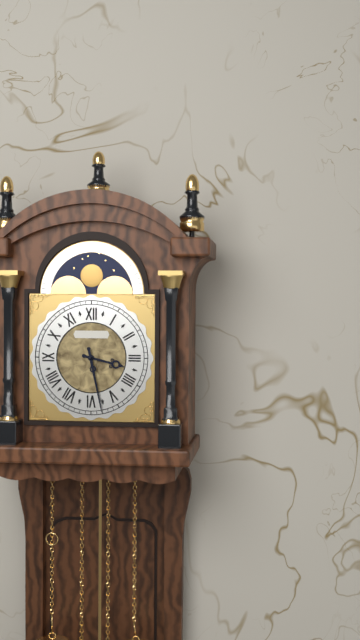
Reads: 3 h 28 min
